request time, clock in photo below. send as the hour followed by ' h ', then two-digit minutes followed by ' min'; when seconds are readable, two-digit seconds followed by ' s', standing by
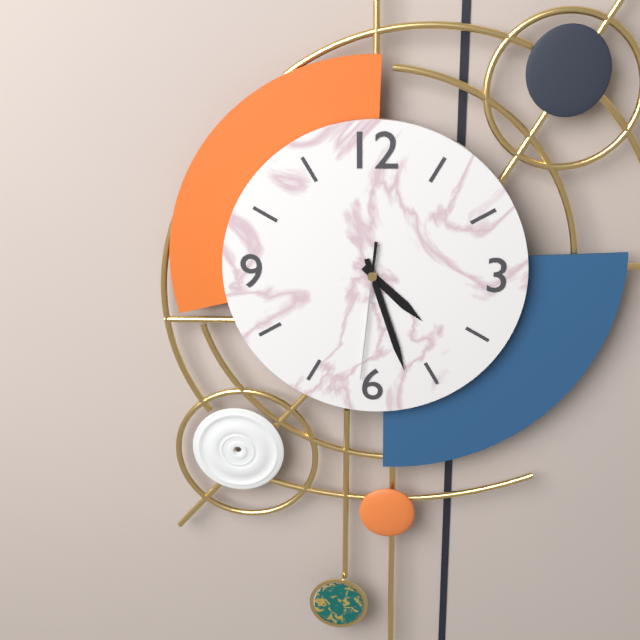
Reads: 4 h 27 min 31 s
